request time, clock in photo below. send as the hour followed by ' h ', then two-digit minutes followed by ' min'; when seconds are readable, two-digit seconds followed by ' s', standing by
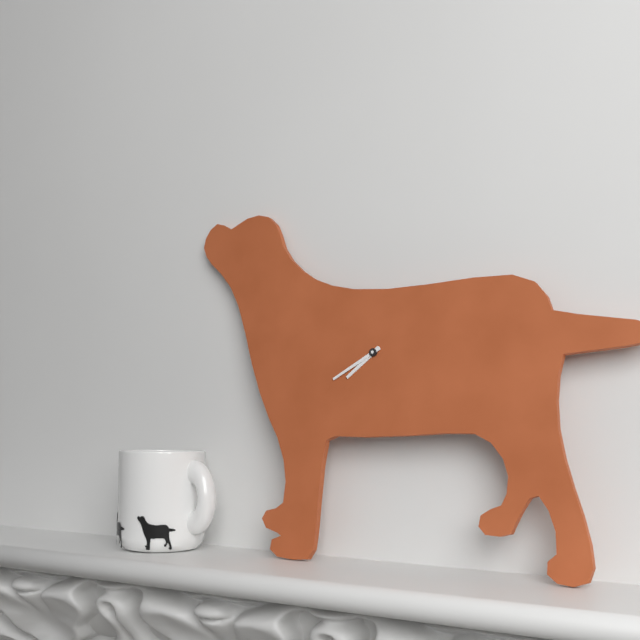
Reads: 7 h 40 min
